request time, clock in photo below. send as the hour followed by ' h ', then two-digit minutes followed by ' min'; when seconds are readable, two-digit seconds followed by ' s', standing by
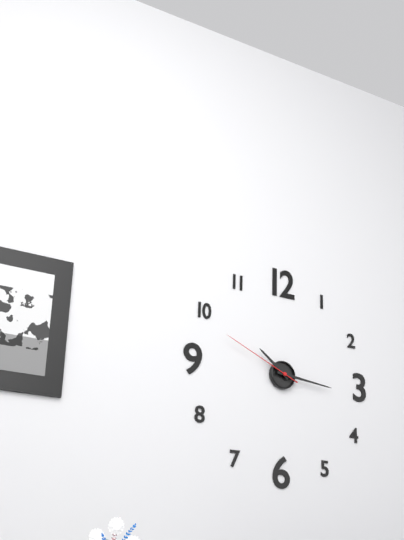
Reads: 10 h 16 min 49 s
